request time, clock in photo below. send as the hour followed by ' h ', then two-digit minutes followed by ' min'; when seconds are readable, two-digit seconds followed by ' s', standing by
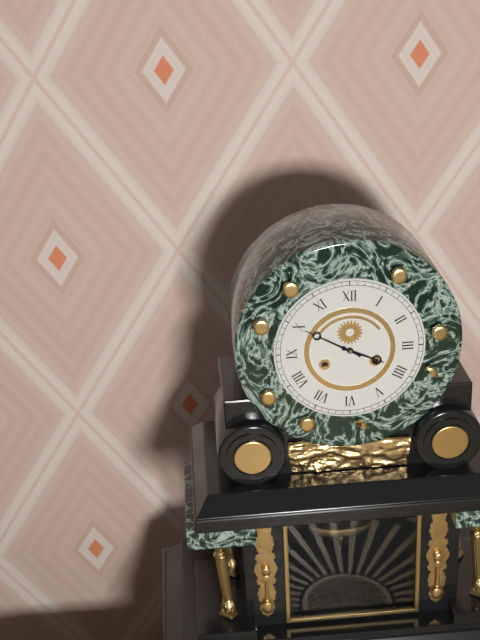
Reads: 3 h 50 min
